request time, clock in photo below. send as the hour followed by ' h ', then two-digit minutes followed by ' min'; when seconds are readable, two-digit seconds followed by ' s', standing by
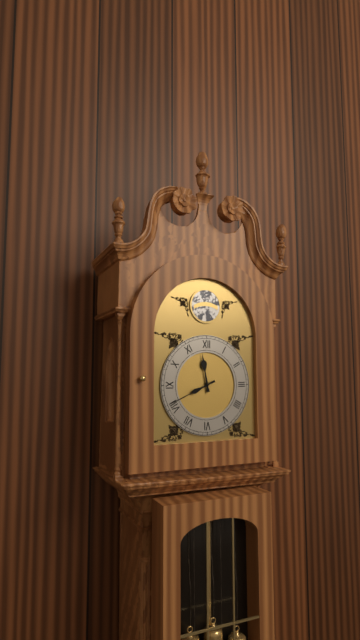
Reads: 11 h 41 min
